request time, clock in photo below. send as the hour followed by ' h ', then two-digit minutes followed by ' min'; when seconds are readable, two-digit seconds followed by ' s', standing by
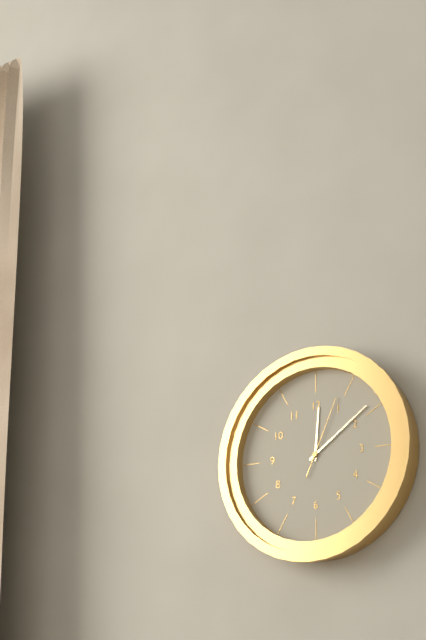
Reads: 12 h 09 min 04 s
